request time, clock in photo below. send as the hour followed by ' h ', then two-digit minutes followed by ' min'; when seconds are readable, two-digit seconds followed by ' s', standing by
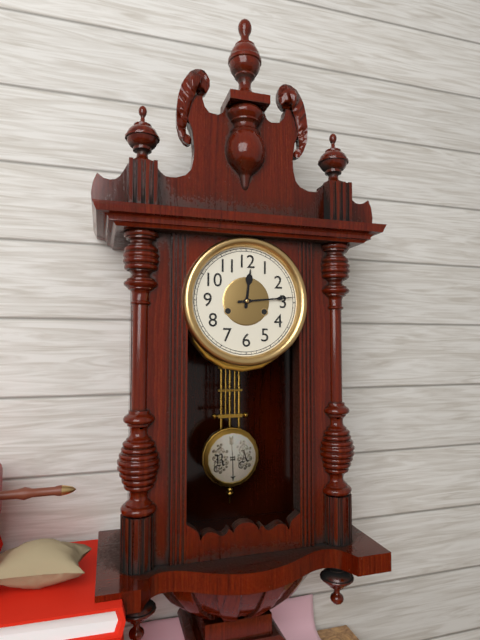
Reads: 12 h 14 min
